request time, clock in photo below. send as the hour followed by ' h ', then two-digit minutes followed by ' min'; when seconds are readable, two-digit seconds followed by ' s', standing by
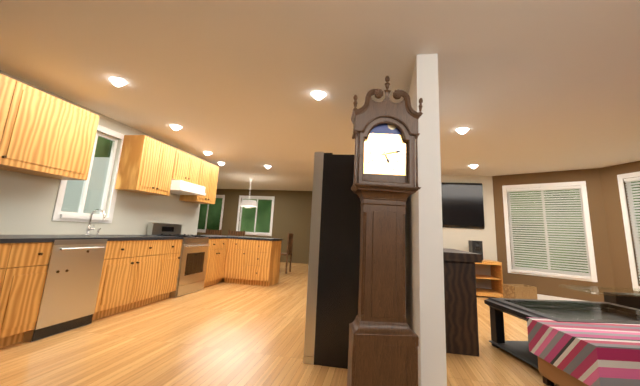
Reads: 5 h 13 min
